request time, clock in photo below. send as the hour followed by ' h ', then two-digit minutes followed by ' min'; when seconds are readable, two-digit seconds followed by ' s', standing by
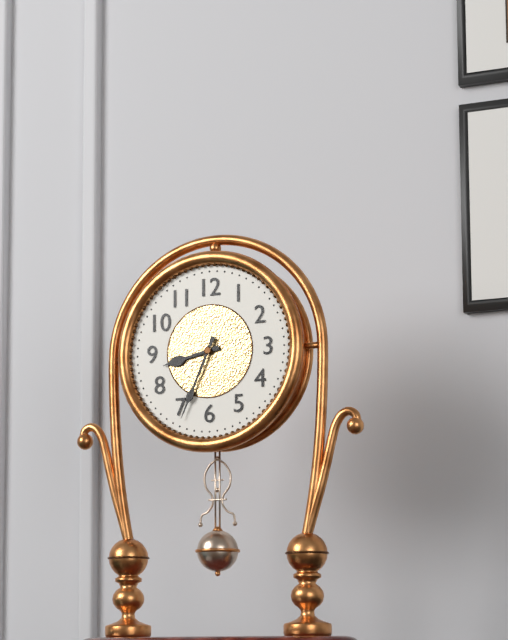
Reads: 8 h 34 min
